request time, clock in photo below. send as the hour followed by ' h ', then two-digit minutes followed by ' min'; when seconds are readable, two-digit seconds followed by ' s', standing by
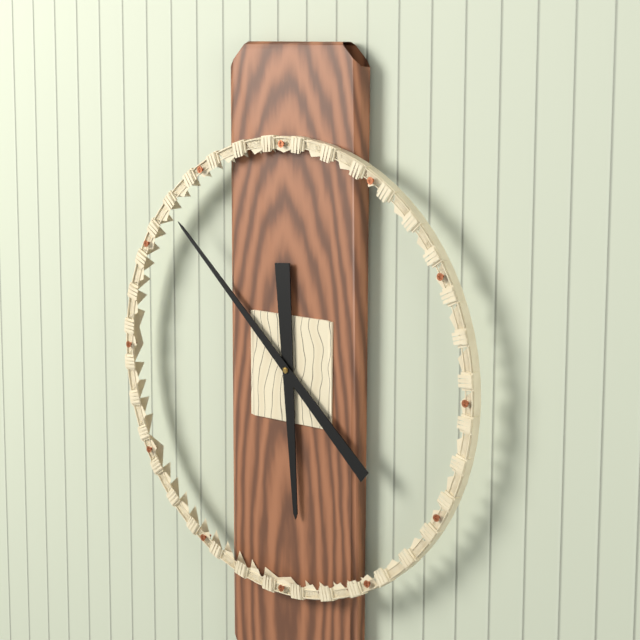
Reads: 5 h 52 min
